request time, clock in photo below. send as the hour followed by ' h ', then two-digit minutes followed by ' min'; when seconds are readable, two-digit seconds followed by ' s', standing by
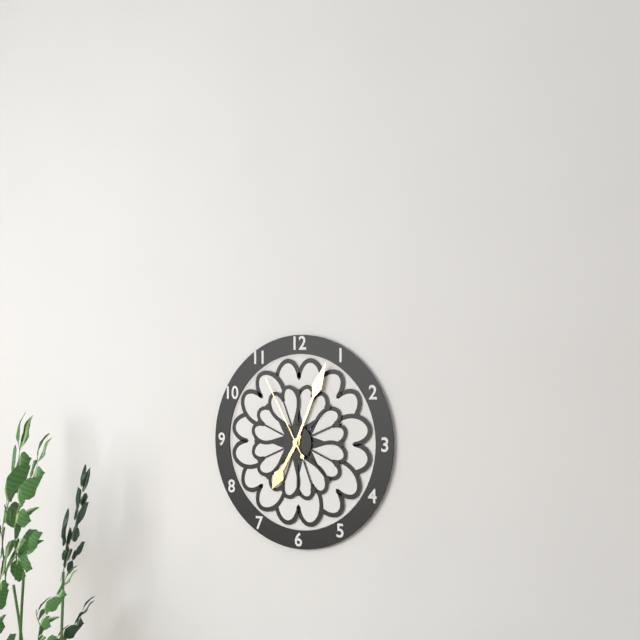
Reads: 7 h 04 min 55 s
